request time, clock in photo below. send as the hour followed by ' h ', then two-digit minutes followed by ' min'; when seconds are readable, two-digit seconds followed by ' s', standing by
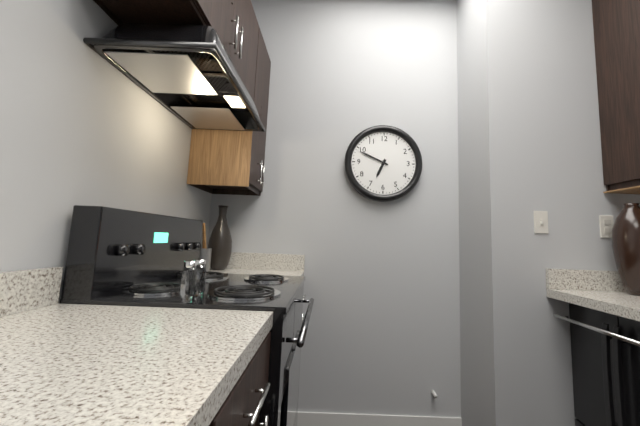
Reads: 6 h 49 min
